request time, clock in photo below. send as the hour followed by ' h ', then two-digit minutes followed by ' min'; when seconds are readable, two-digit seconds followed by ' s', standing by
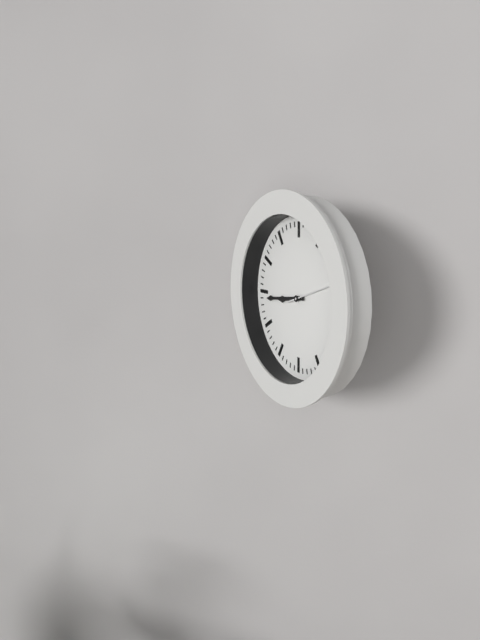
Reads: 8 h 44 min
